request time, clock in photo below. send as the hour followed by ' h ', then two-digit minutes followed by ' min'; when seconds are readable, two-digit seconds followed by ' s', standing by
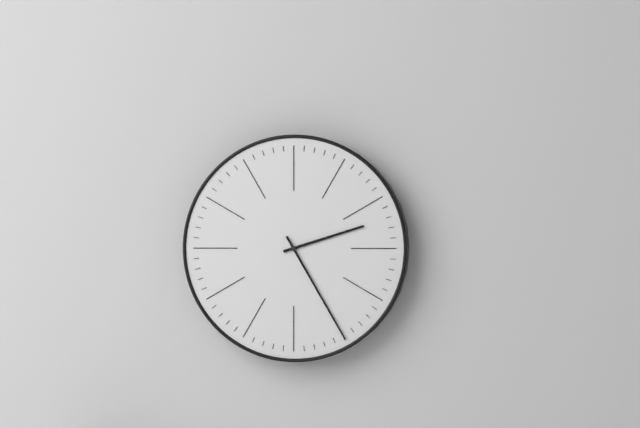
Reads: 2 h 25 min
